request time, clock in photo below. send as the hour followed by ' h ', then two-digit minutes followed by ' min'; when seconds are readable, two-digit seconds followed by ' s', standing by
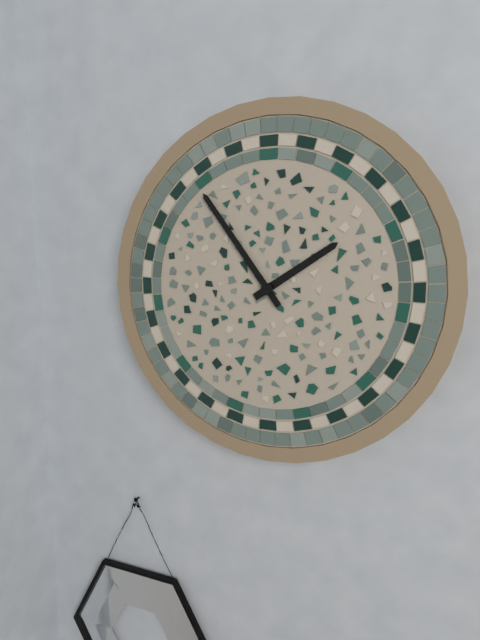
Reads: 1 h 54 min
